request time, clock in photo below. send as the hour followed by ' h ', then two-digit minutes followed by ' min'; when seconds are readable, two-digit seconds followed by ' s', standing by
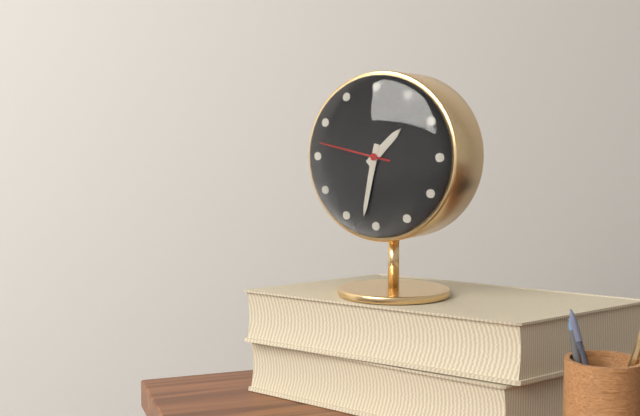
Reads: 1 h 32 min 47 s
